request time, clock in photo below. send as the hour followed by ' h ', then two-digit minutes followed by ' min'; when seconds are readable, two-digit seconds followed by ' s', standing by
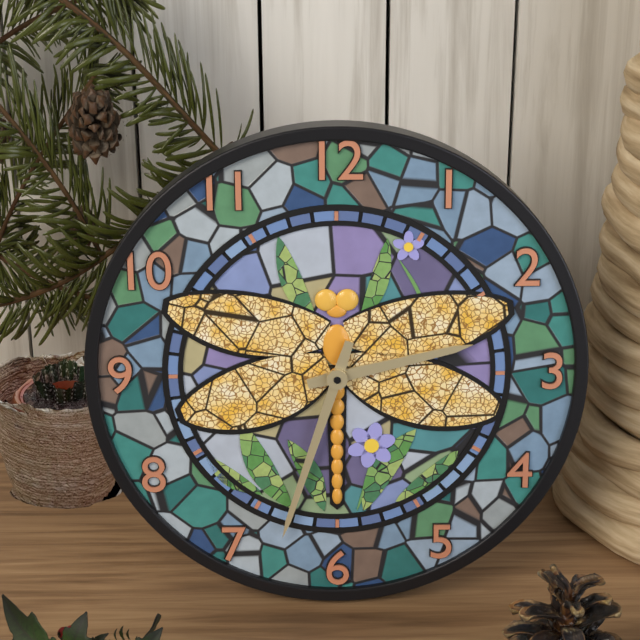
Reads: 2 h 33 min
